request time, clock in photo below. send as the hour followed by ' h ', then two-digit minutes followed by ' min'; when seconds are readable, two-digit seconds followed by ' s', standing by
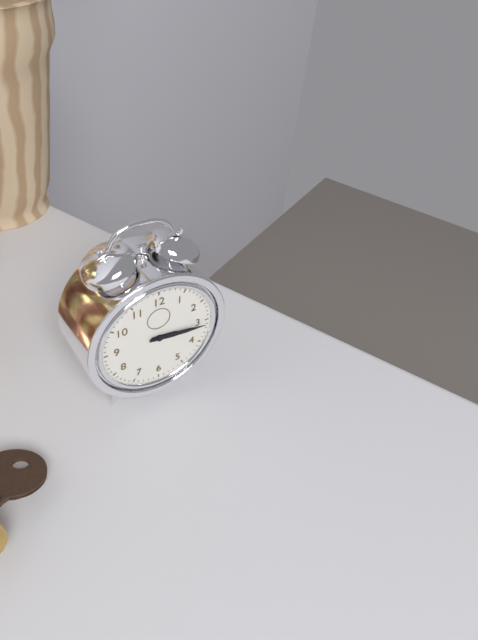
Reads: 3 h 16 min
